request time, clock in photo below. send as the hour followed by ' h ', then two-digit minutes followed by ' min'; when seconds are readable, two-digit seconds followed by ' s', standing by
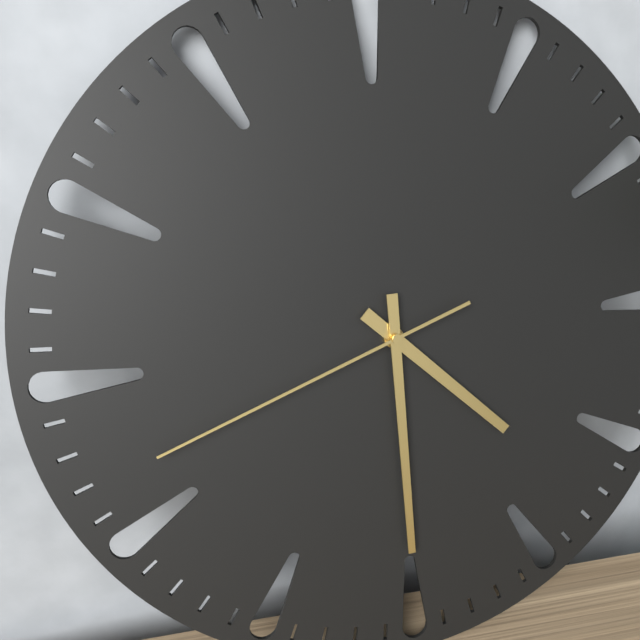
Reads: 4 h 30 min 42 s
